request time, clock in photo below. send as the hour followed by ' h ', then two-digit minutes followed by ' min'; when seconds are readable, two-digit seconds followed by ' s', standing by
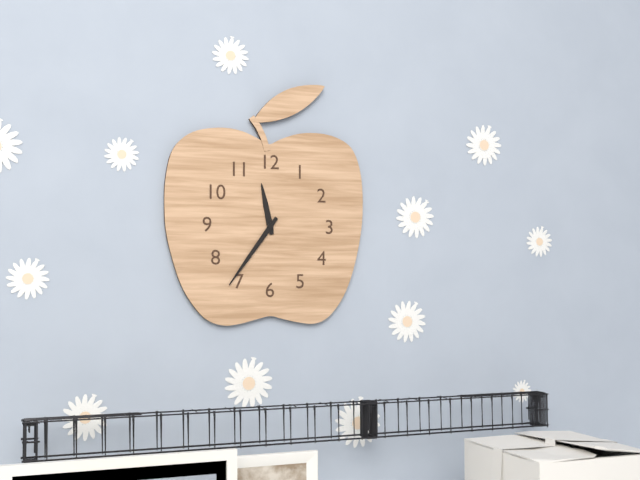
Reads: 11 h 36 min
